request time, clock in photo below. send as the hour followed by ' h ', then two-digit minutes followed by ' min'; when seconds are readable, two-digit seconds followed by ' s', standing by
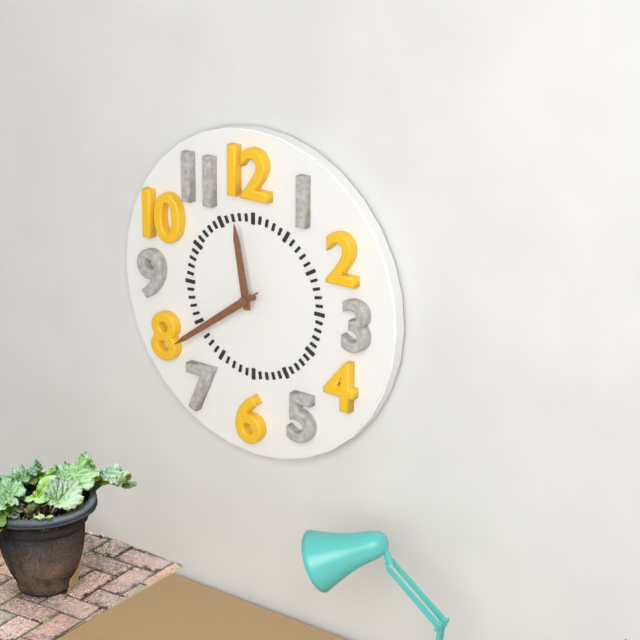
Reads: 11 h 39 min 39 s
